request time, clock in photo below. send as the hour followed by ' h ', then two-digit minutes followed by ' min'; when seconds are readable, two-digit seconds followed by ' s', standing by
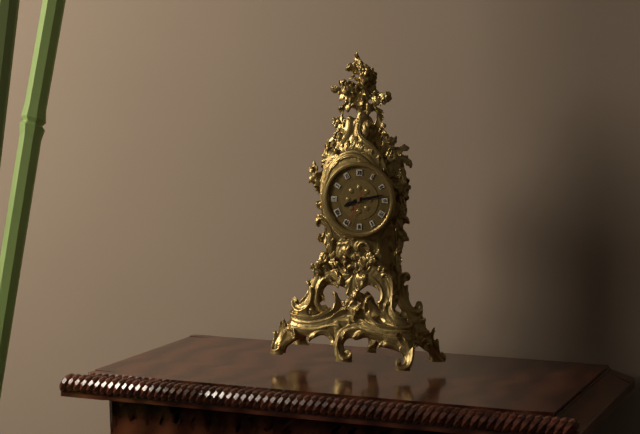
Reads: 8 h 13 min
